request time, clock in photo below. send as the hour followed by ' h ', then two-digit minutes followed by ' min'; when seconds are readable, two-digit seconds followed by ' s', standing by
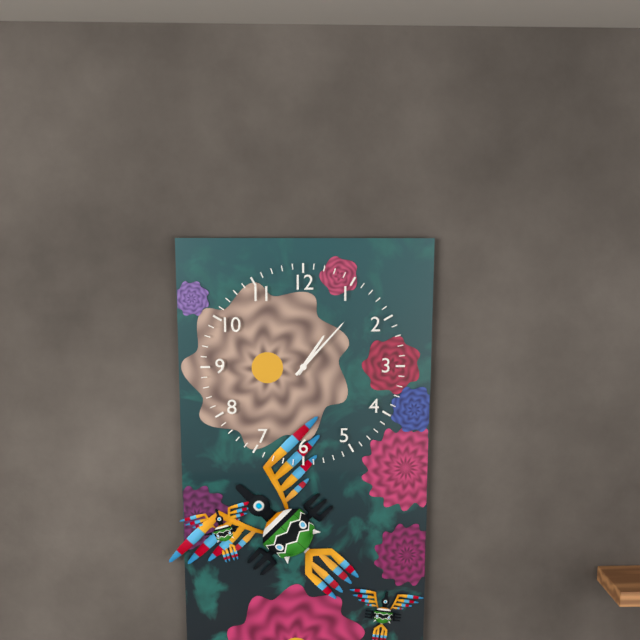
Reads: 1 h 07 min
